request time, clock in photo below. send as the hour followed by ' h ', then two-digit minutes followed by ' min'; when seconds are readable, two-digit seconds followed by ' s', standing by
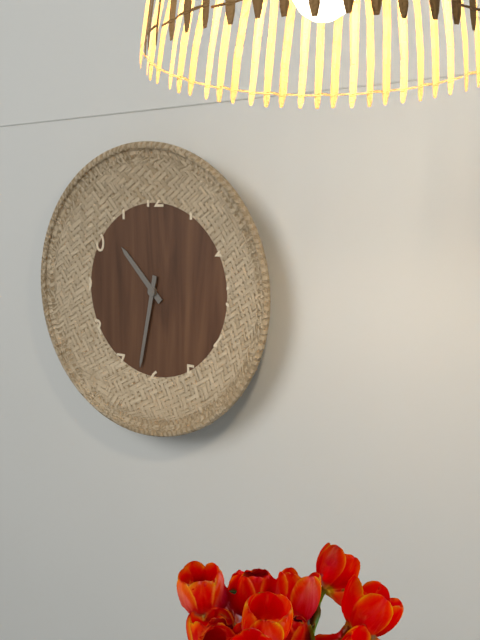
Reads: 10 h 32 min
